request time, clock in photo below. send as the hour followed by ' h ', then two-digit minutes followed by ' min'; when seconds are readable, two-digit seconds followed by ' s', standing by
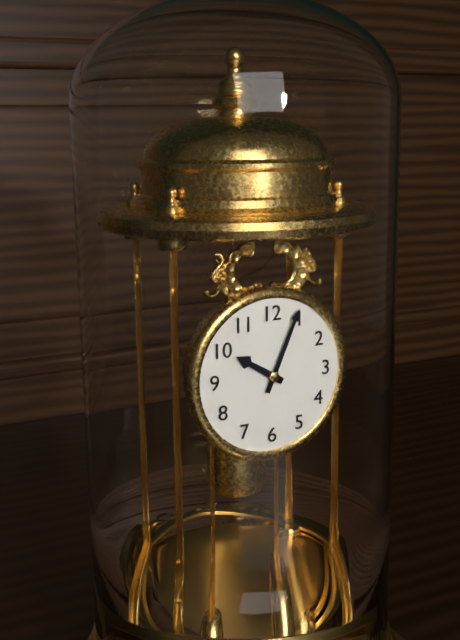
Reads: 10 h 04 min
